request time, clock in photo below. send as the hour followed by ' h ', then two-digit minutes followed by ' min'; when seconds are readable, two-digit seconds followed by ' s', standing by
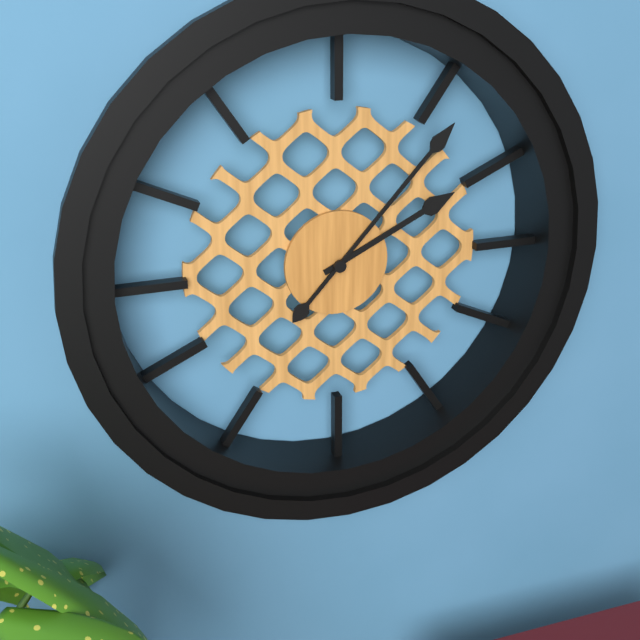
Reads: 2 h 07 min
